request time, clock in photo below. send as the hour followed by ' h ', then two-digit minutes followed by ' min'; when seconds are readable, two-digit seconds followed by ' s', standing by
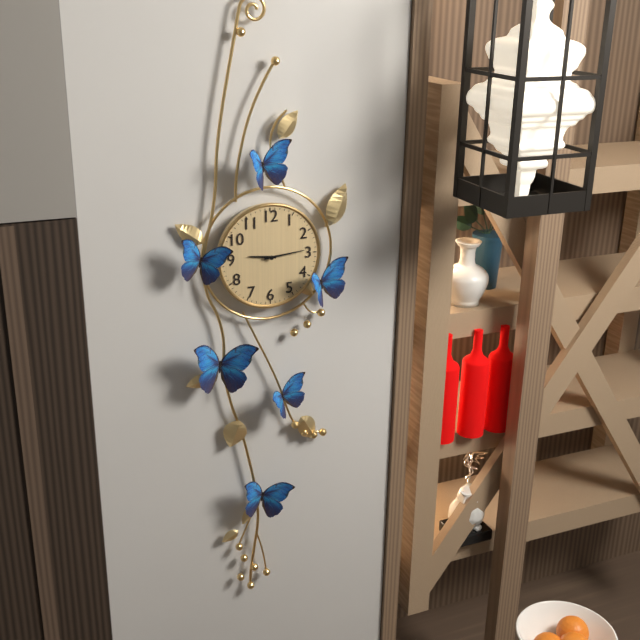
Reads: 9 h 14 min
